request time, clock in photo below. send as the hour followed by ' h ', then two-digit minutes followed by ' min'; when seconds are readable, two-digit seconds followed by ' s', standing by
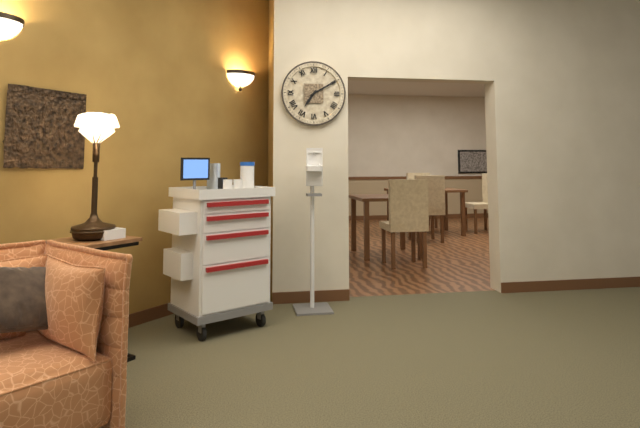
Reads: 7 h 10 min
